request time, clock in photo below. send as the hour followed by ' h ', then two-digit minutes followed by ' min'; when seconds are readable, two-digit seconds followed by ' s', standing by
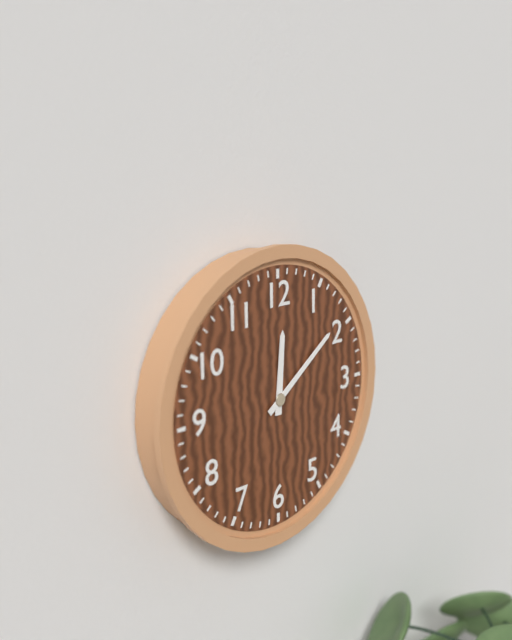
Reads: 12 h 09 min
